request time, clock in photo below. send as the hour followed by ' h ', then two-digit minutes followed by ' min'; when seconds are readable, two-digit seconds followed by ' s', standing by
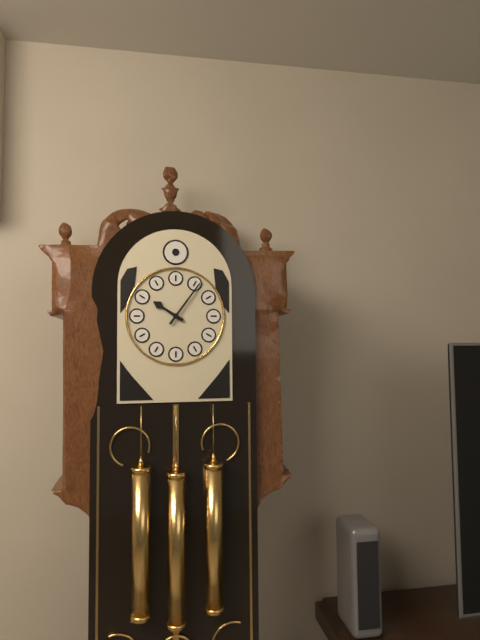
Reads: 10 h 06 min
